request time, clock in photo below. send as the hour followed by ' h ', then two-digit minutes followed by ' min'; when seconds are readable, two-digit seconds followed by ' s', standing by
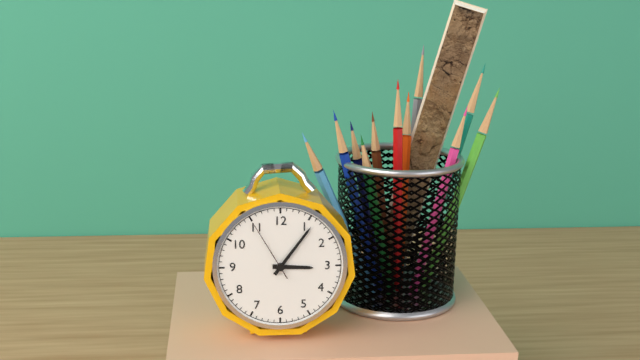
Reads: 3 h 06 min 55 s
